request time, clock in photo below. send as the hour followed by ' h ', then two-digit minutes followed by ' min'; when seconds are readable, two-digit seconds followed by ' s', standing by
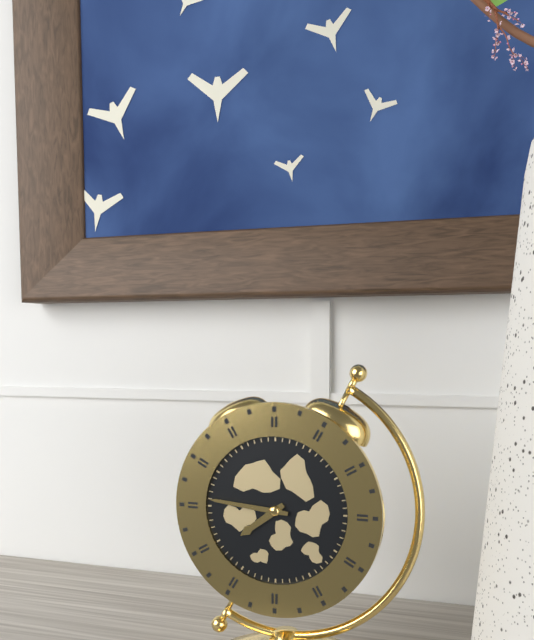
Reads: 7 h 46 min
